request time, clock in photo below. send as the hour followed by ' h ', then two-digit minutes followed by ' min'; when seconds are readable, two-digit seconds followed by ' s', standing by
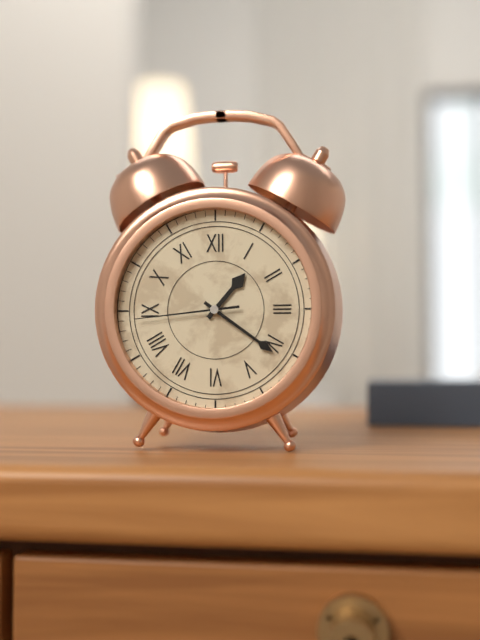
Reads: 1 h 21 min 44 s
